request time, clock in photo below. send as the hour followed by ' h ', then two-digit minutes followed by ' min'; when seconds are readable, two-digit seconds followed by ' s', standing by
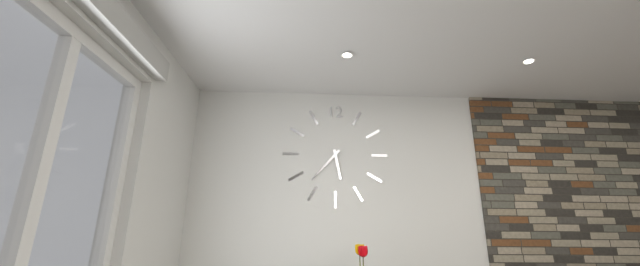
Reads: 5 h 37 min
